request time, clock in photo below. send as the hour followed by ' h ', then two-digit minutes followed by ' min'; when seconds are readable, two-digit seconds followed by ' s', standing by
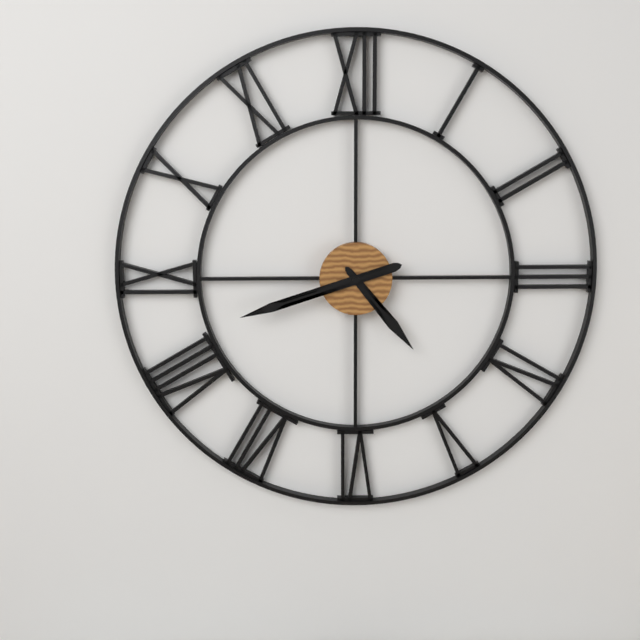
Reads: 4 h 42 min
